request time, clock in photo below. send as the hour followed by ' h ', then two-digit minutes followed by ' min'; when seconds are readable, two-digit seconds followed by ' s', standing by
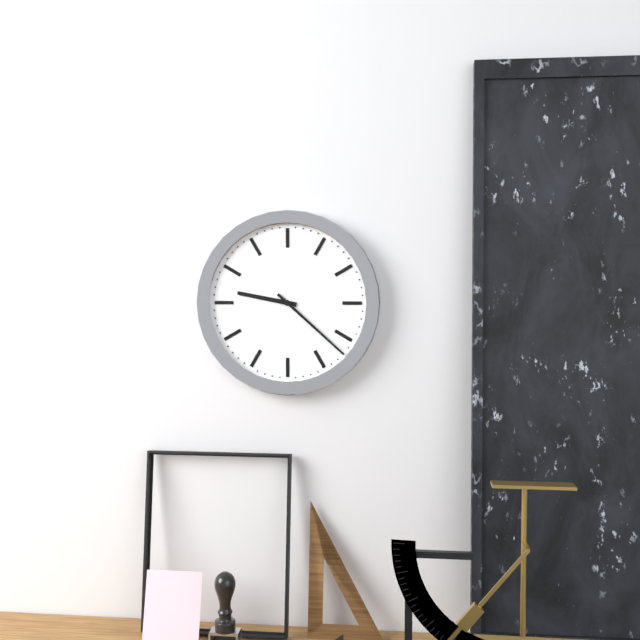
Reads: 9 h 22 min
